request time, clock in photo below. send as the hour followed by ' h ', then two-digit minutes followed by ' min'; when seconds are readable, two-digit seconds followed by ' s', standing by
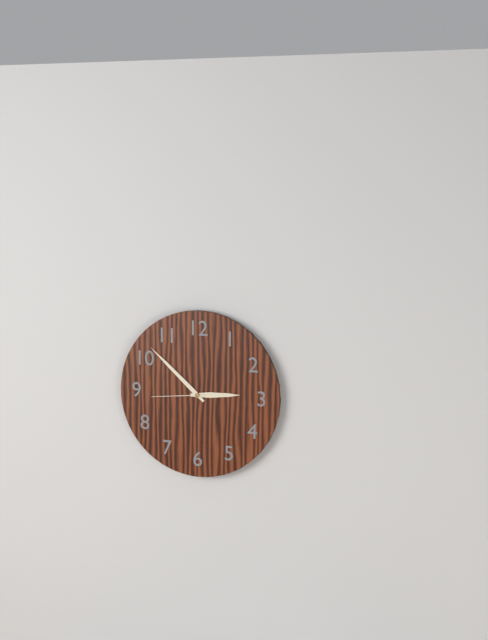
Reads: 2 h 52 min 44 s
